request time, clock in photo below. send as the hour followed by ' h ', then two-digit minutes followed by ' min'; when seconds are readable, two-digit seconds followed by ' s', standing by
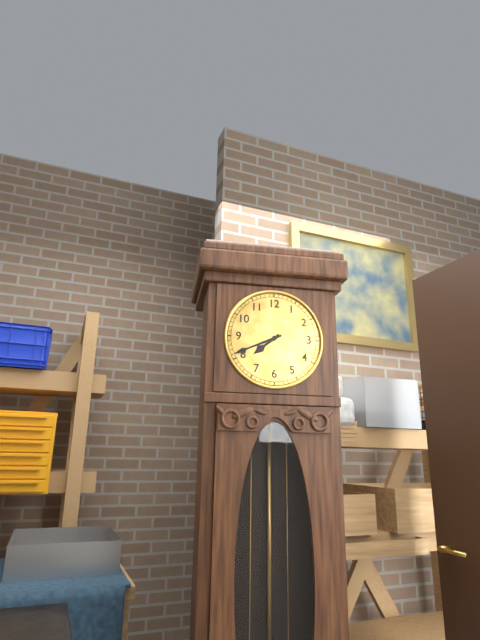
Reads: 7 h 41 min
